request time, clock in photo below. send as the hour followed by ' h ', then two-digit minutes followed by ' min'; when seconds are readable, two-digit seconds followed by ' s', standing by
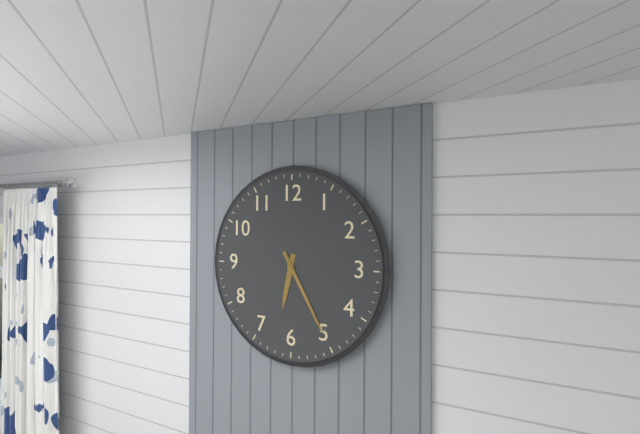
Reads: 6 h 25 min
